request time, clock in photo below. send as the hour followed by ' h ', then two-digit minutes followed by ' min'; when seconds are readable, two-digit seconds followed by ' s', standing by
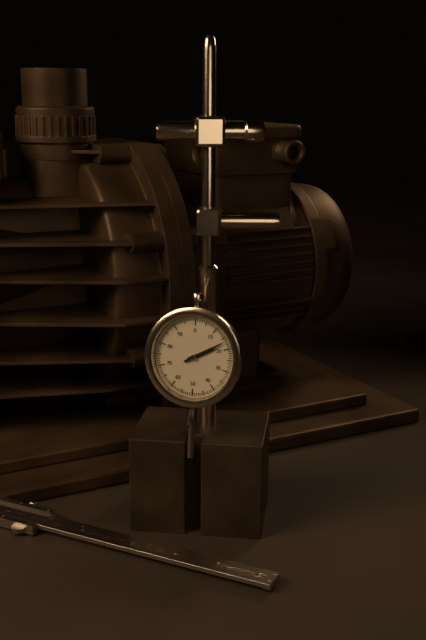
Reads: 2 h 10 min
